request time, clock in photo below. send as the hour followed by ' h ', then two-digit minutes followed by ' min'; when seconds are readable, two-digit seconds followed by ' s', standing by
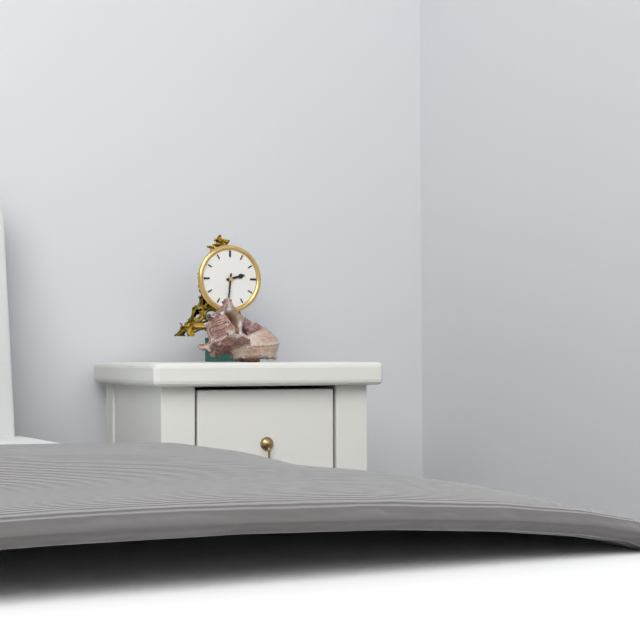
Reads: 2 h 31 min
